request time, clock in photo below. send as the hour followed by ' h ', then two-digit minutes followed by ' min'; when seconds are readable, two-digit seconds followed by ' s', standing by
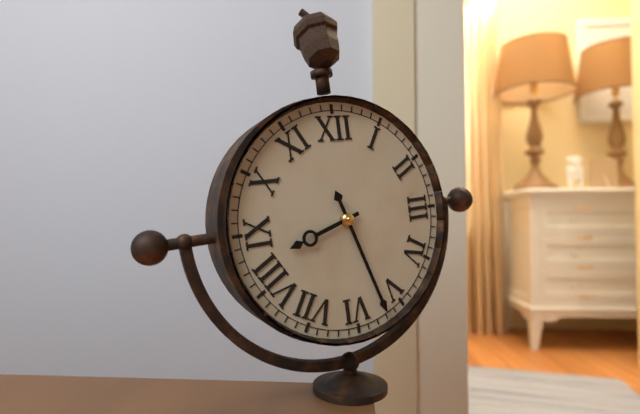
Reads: 8 h 27 min
